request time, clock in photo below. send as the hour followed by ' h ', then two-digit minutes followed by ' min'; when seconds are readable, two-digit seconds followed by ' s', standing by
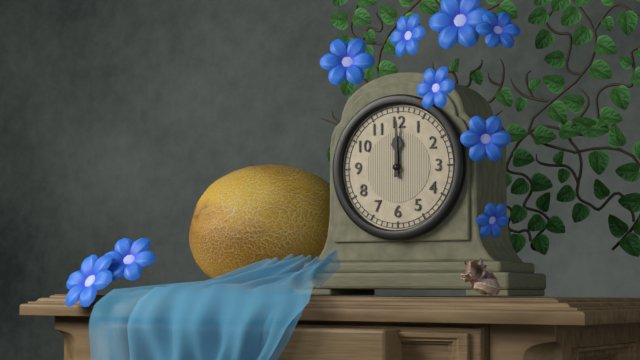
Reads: 12 h 00 min
